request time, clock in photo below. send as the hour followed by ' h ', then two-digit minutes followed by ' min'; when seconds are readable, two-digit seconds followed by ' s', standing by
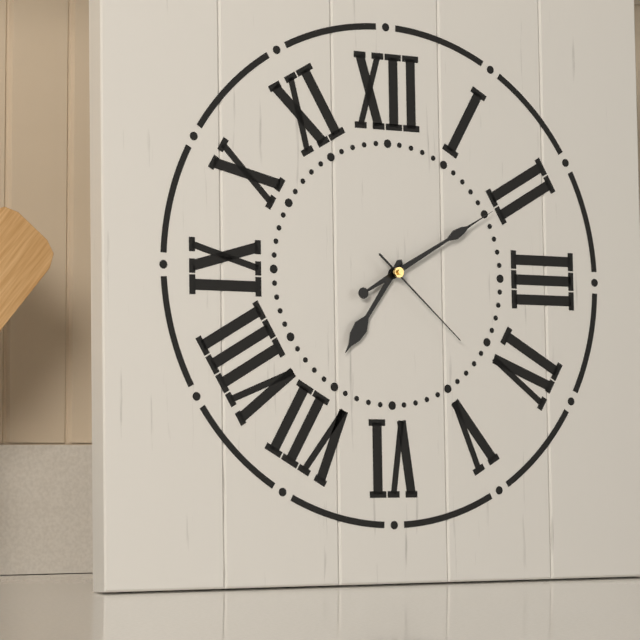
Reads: 7 h 10 min 22 s
